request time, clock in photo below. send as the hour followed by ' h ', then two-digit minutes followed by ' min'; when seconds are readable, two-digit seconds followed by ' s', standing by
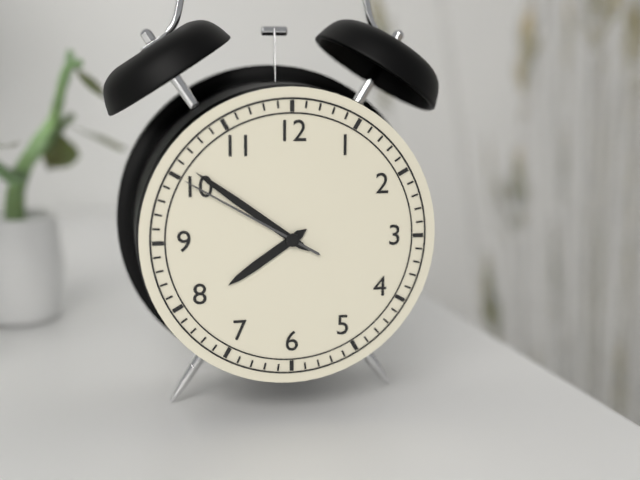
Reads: 7 h 51 min 50 s
